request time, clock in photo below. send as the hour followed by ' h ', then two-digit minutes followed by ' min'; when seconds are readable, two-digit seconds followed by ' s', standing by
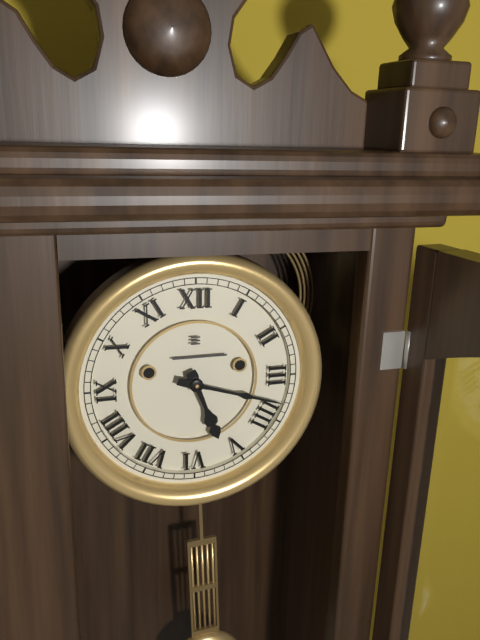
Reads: 5 h 18 min
